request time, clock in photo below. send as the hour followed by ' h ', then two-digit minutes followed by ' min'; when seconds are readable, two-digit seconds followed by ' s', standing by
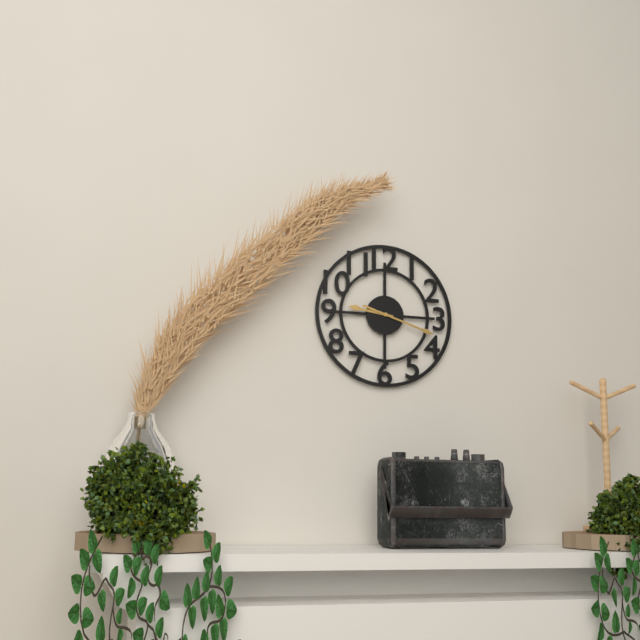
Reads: 9 h 18 min
